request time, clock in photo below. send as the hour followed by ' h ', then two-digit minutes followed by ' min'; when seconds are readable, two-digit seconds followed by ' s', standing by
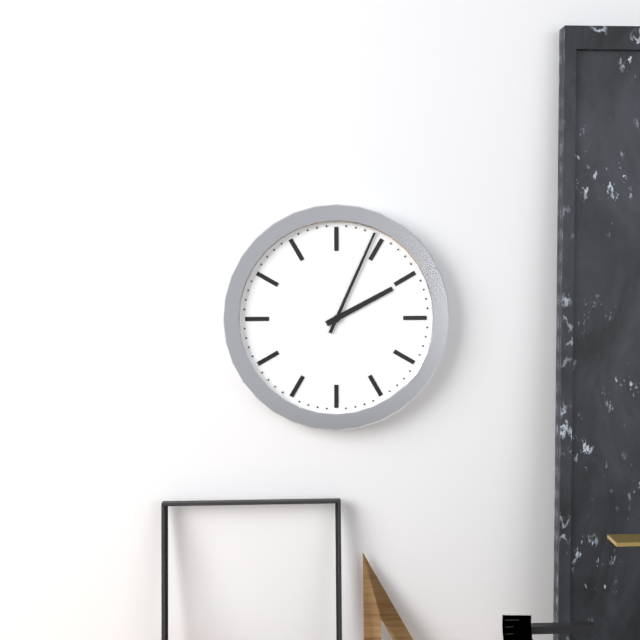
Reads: 2 h 04 min
